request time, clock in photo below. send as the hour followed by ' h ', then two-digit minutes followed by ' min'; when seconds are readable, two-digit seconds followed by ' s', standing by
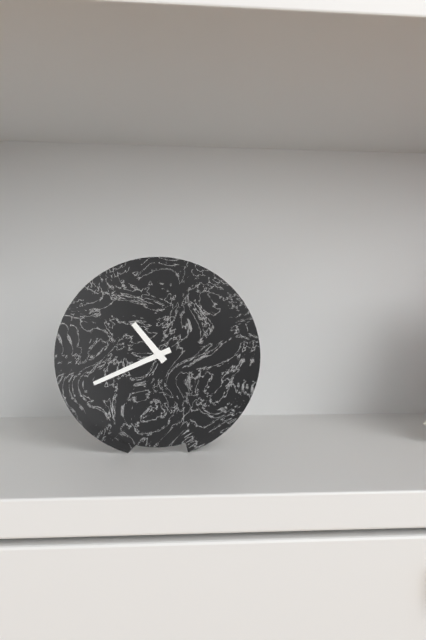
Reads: 10 h 41 min
